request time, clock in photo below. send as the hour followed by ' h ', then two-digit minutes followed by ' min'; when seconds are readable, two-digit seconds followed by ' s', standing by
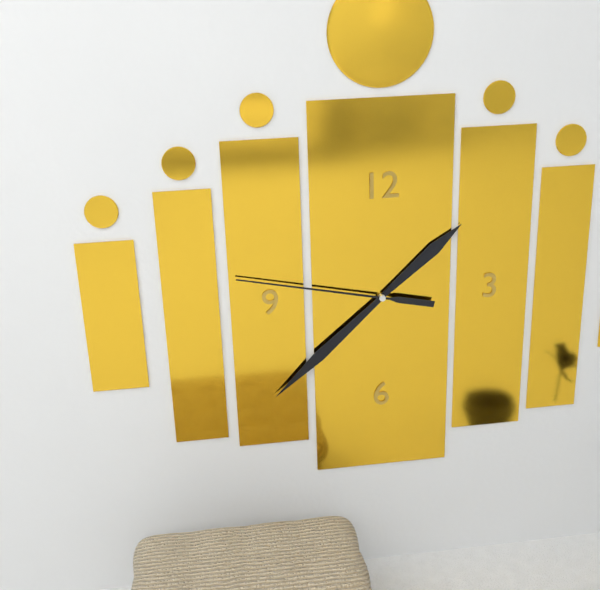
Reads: 1 h 38 min 47 s
